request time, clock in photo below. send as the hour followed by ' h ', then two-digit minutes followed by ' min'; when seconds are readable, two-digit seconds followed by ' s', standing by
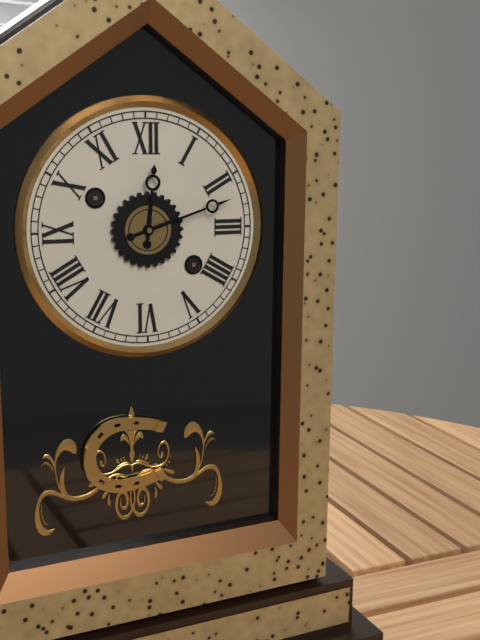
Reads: 12 h 12 min
